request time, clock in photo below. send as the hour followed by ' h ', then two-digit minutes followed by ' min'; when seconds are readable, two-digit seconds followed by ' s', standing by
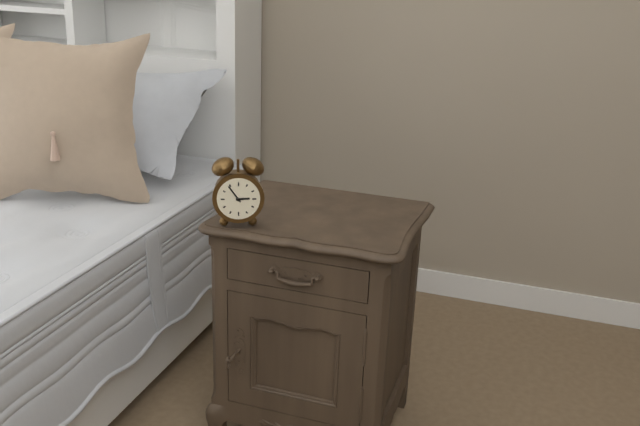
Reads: 2 h 54 min
